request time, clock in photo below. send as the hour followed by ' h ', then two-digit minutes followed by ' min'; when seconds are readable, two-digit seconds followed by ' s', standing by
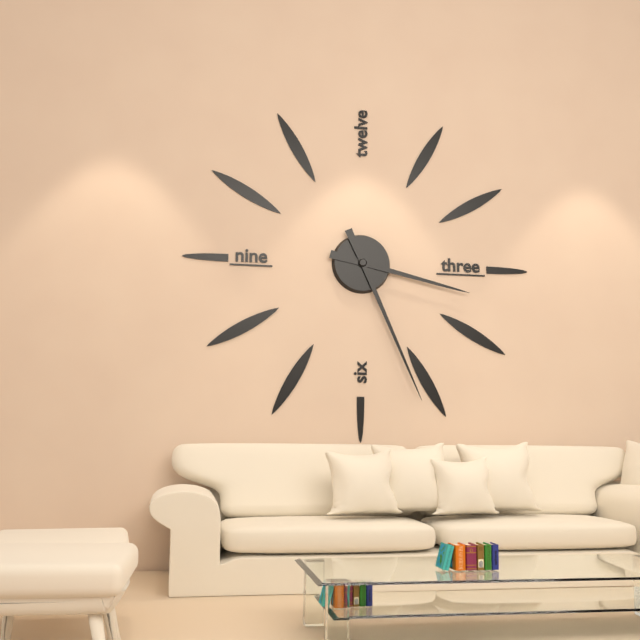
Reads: 3 h 26 min
